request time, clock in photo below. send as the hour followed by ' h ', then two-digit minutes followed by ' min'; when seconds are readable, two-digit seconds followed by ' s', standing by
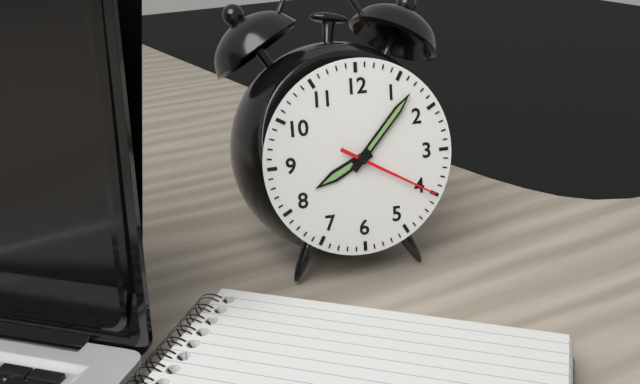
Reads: 8 h 07 min 20 s
